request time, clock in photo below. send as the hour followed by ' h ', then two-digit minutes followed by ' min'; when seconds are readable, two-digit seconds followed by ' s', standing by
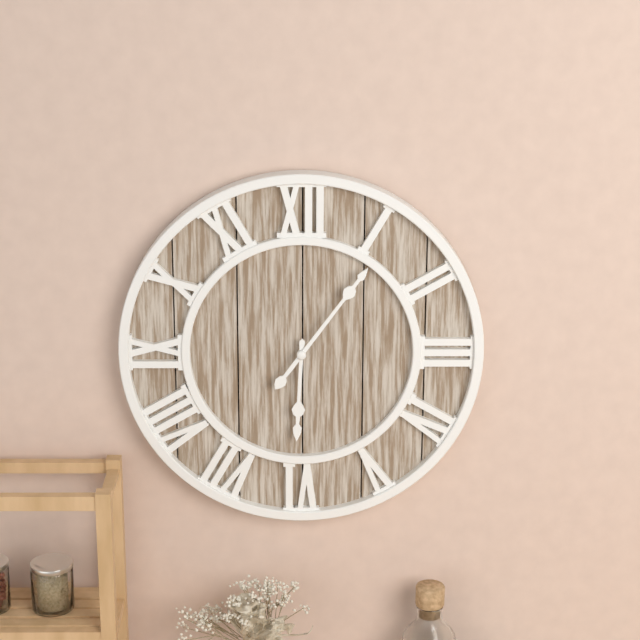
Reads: 6 h 06 min
